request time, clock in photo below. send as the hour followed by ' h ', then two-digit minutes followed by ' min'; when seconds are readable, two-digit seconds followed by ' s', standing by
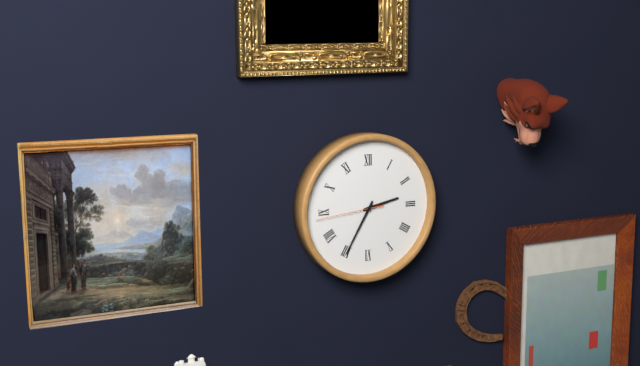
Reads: 2 h 35 min 44 s
